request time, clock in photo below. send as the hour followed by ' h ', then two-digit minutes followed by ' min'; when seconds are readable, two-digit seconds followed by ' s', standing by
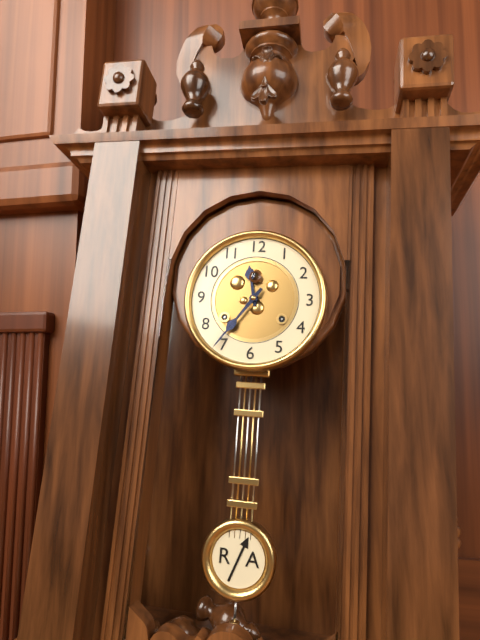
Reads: 11 h 36 min
